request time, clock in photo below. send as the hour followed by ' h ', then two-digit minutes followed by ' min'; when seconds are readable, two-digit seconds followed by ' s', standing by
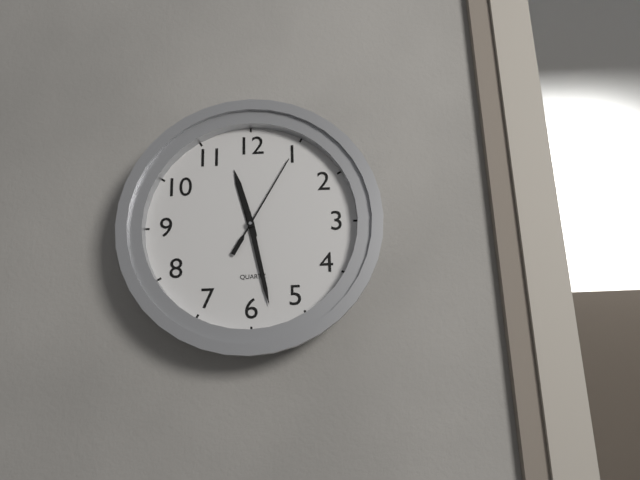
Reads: 11 h 28 min 05 s
